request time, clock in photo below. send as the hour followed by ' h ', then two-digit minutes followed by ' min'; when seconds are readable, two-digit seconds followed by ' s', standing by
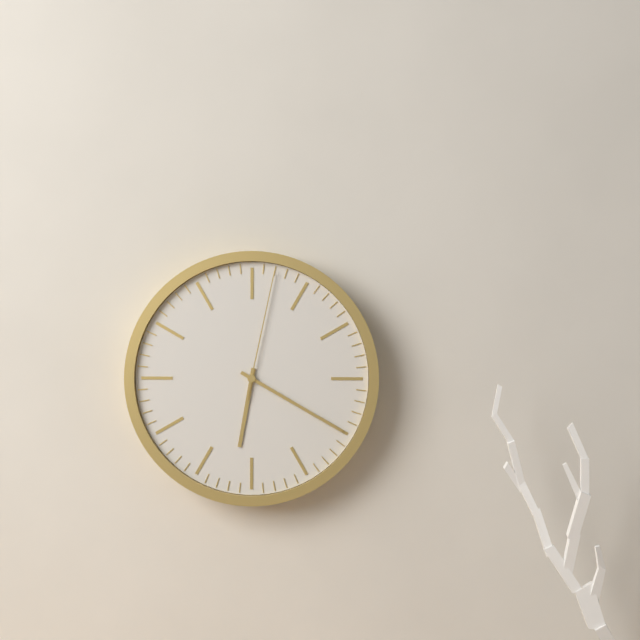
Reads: 6 h 20 min 02 s
